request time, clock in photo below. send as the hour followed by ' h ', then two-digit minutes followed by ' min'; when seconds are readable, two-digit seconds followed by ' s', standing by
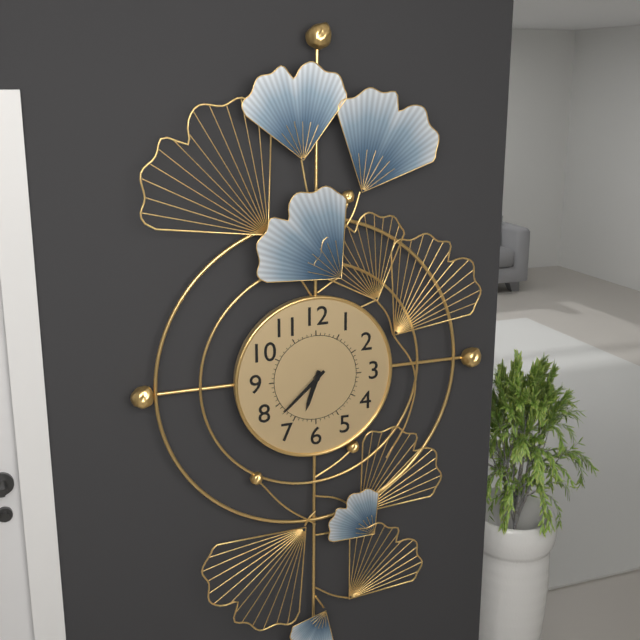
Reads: 6 h 38 min
